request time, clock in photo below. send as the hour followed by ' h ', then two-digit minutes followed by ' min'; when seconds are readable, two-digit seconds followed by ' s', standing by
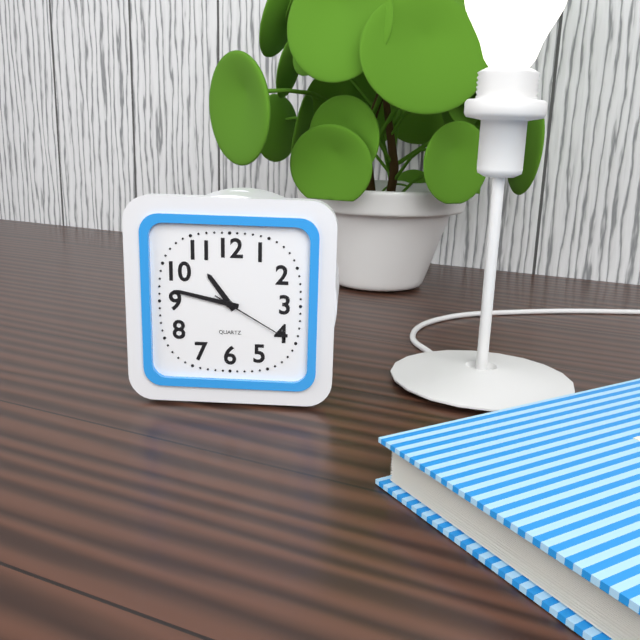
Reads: 10 h 47 min 20 s
